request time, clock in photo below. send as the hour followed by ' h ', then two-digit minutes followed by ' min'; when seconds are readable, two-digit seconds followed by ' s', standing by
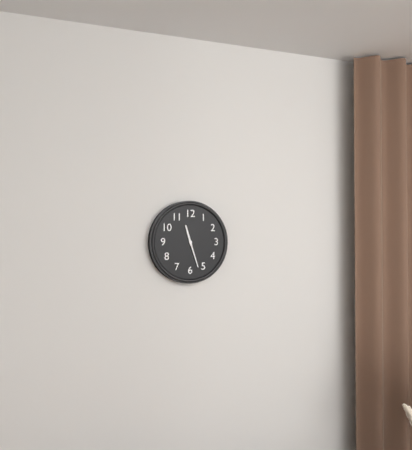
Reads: 11 h 27 min
